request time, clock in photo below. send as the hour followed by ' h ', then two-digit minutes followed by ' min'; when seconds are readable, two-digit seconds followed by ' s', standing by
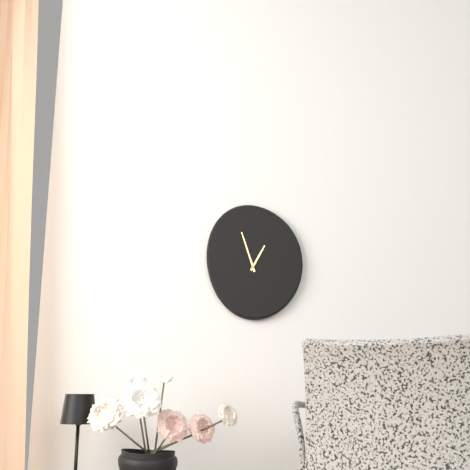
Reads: 12 h 57 min
